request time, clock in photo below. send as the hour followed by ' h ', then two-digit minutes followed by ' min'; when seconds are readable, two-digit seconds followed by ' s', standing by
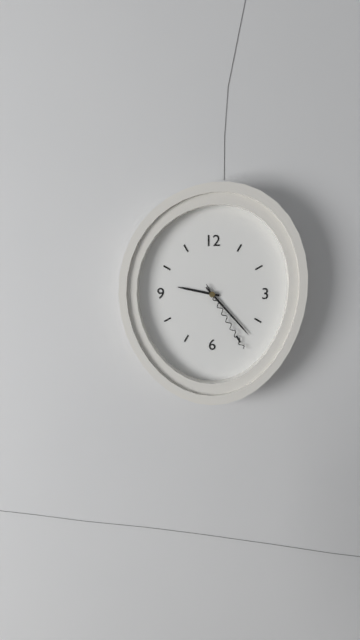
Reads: 9 h 23 min 25 s
